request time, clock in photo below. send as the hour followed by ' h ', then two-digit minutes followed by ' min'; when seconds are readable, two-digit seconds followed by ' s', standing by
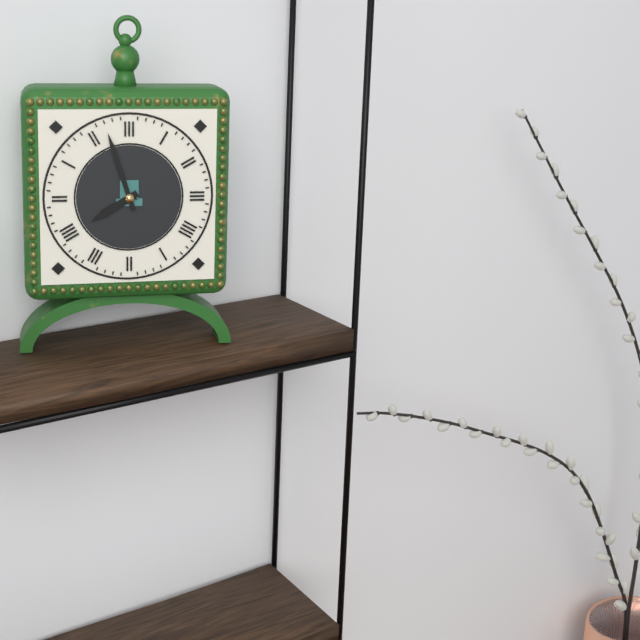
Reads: 7 h 57 min
